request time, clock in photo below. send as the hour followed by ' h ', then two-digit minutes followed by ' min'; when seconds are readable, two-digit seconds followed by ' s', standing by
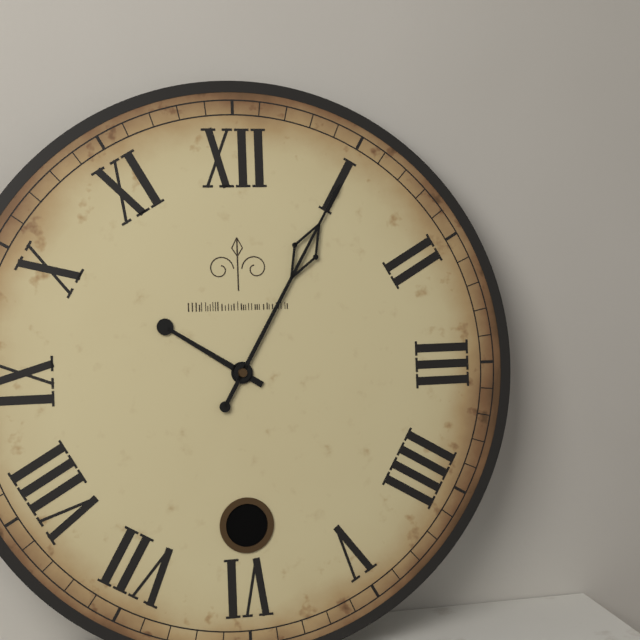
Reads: 10 h 05 min
